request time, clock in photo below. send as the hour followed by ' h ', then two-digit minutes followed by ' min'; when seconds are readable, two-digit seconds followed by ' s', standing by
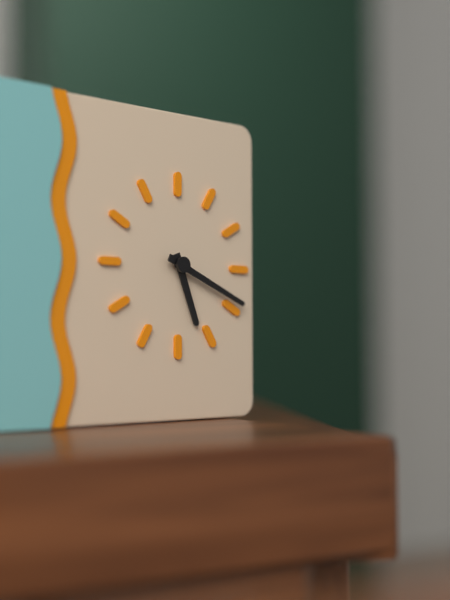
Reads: 5 h 19 min
